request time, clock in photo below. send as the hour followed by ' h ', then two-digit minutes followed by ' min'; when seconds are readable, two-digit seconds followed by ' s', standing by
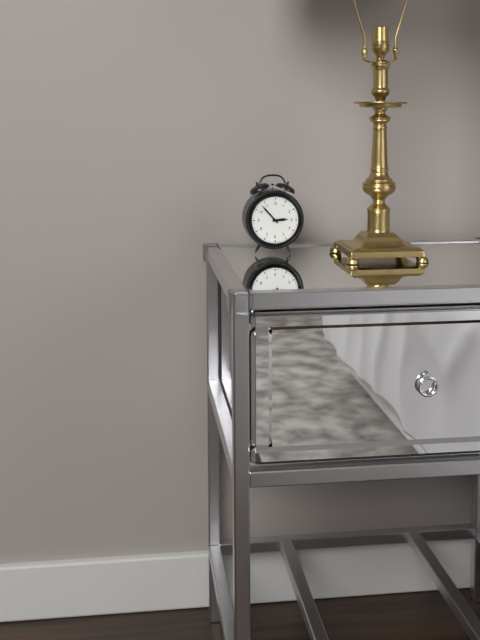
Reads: 2 h 53 min
